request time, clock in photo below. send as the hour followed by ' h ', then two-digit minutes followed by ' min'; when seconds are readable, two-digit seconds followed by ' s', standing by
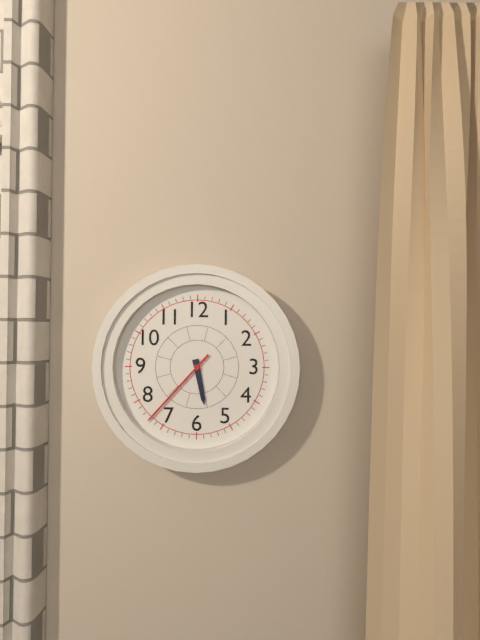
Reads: 5 h 37 min
